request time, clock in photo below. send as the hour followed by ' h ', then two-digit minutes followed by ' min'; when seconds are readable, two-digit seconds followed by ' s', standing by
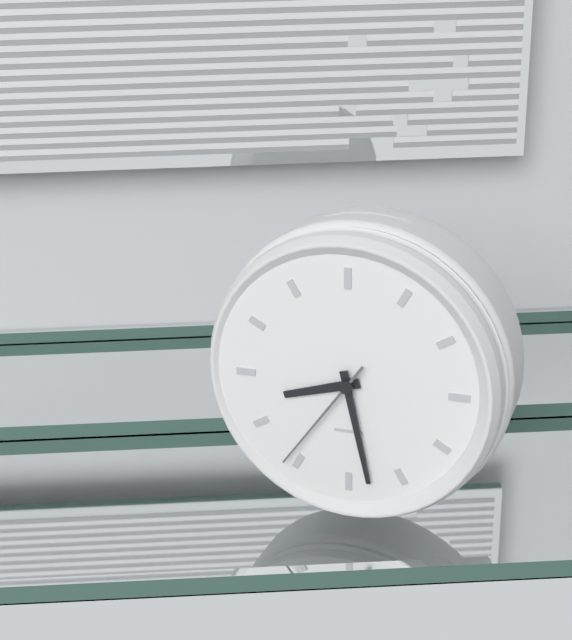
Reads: 8 h 28 min 36 s
